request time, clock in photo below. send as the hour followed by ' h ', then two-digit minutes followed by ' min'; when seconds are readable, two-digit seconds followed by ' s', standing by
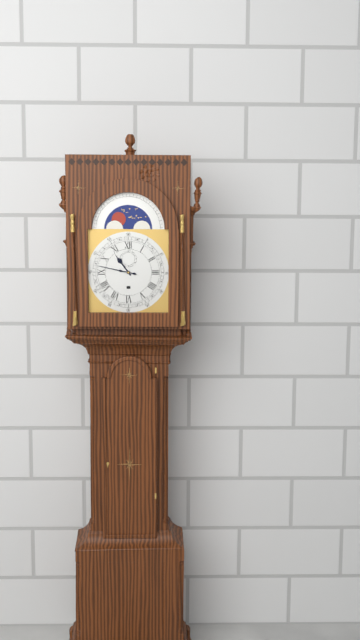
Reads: 10 h 47 min
